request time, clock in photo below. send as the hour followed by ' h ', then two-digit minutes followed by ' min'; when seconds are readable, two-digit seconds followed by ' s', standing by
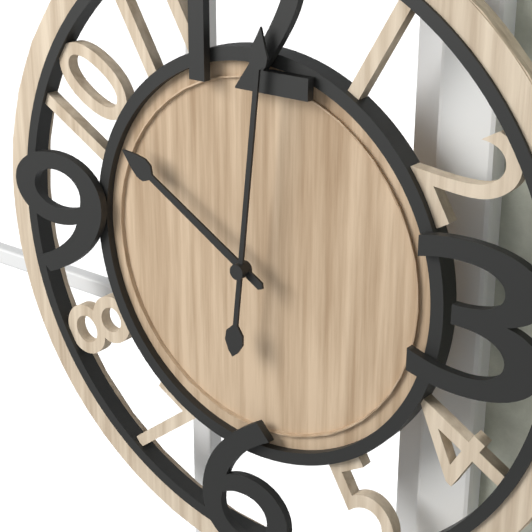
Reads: 10 h 01 min
